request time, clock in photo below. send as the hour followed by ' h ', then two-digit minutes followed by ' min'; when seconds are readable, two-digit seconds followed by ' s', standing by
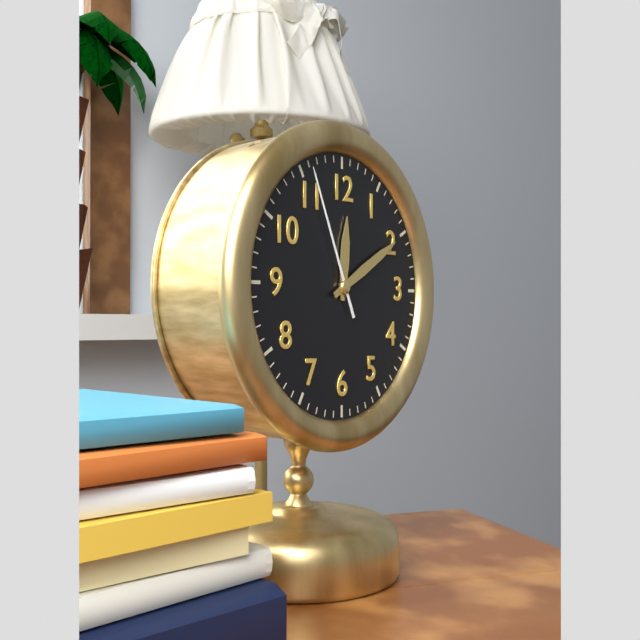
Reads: 12 h 10 min 56 s
